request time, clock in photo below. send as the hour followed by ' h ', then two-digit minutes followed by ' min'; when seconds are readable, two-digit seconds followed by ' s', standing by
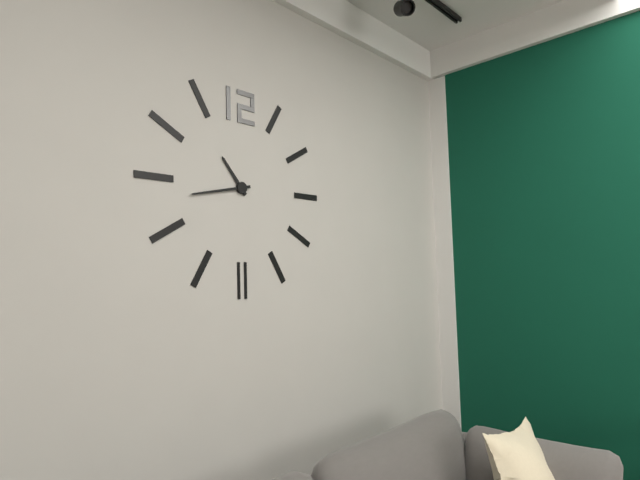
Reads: 10 h 43 min
